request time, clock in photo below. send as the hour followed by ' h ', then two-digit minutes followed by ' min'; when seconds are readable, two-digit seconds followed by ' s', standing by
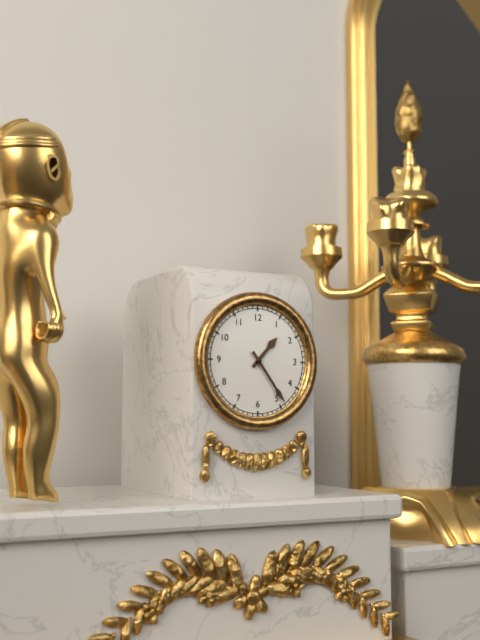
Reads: 1 h 24 min
